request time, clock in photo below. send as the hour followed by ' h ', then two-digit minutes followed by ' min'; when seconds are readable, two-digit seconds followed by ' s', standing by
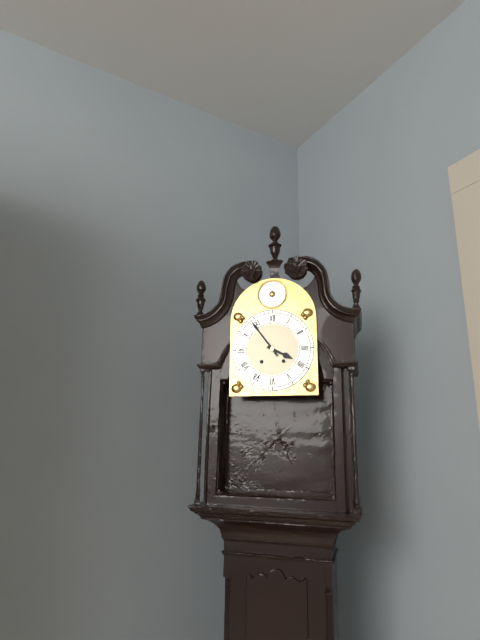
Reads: 3 h 54 min
